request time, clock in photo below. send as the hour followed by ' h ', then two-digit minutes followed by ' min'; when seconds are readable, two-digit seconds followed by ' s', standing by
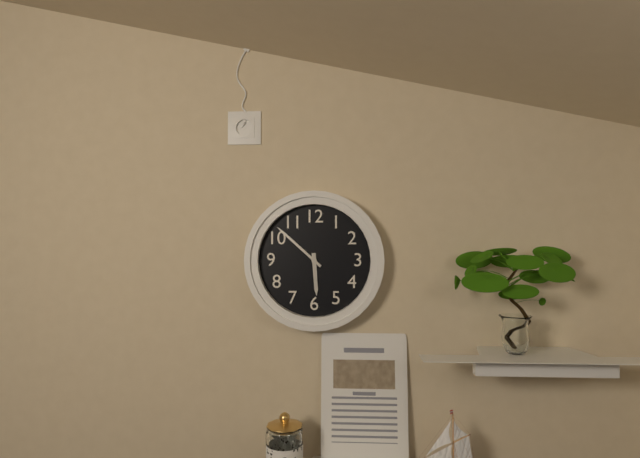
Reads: 5 h 52 min
